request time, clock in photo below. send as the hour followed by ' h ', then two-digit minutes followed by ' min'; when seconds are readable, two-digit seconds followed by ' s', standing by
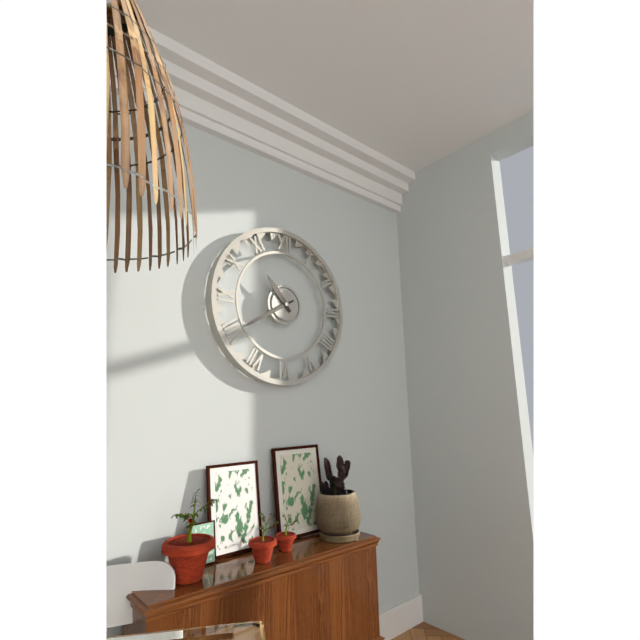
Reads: 10 h 40 min
